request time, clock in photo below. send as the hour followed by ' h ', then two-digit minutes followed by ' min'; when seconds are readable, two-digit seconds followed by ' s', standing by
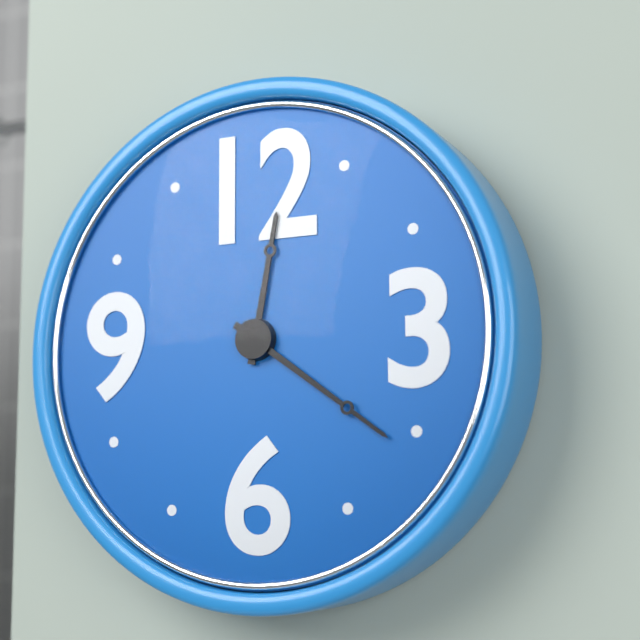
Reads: 12 h 21 min
